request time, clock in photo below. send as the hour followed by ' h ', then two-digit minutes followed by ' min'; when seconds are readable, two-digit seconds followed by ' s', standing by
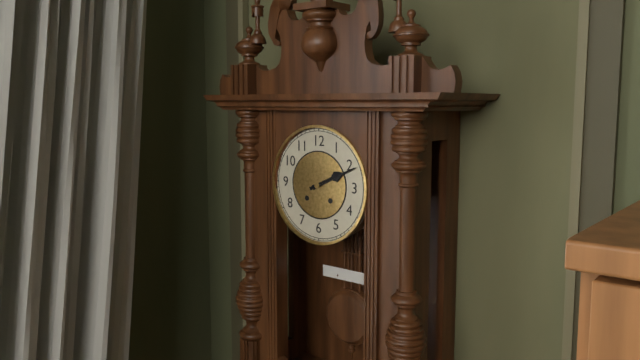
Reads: 2 h 11 min
